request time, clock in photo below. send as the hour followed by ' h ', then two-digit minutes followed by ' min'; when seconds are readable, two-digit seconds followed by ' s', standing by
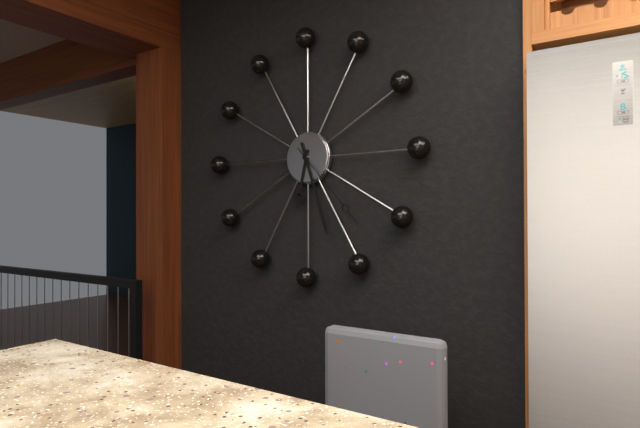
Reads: 6 h 27 min 23 s
